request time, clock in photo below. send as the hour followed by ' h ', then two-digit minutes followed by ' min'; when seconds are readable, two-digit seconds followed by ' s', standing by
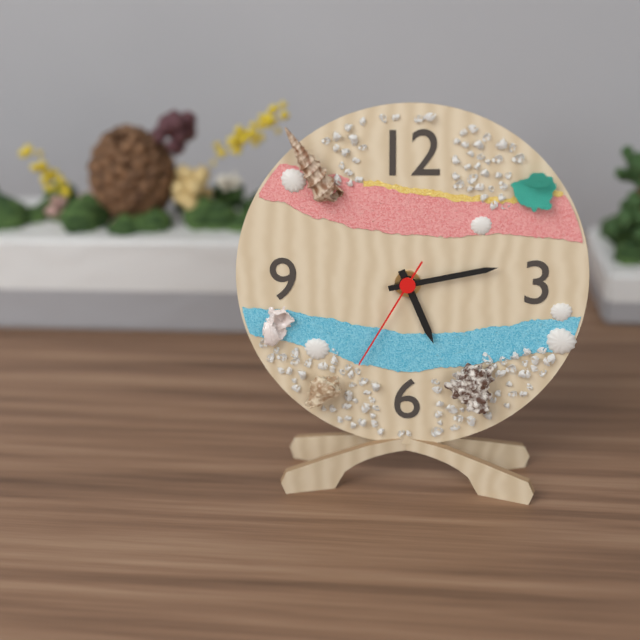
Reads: 5 h 13 min 35 s
